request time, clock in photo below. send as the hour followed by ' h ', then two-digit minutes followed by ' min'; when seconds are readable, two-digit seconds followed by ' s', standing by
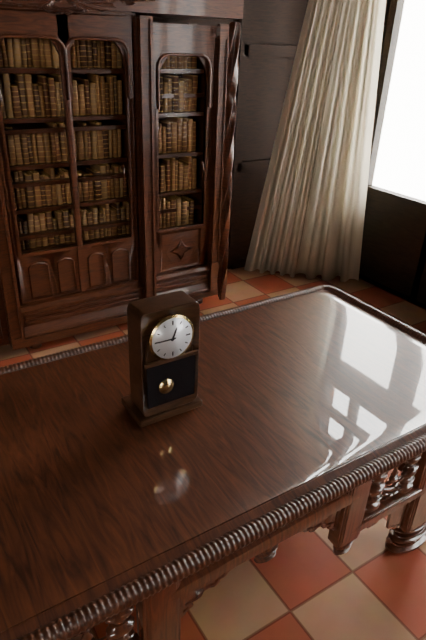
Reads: 12 h 45 min
